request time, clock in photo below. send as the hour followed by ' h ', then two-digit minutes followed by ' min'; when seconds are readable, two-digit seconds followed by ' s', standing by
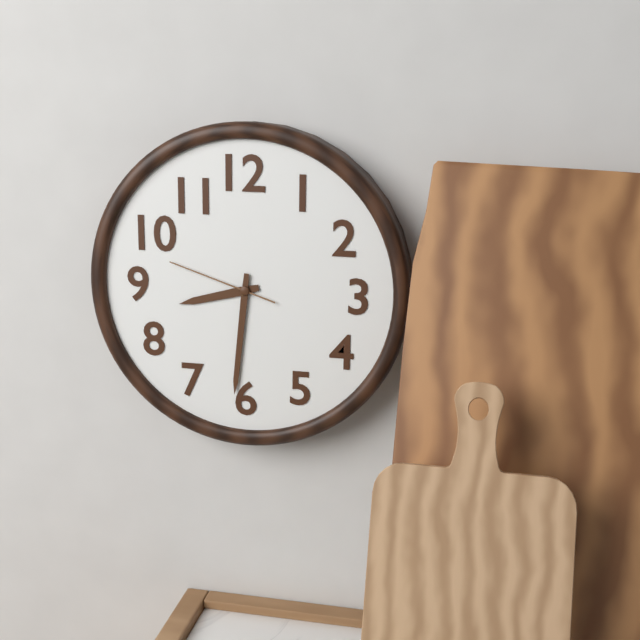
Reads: 8 h 31 min 48 s
